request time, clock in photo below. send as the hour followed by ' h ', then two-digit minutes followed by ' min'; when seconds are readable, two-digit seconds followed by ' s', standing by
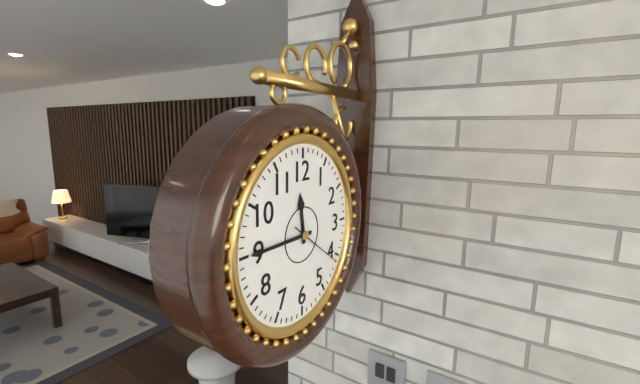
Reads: 11 h 45 min 21 s
